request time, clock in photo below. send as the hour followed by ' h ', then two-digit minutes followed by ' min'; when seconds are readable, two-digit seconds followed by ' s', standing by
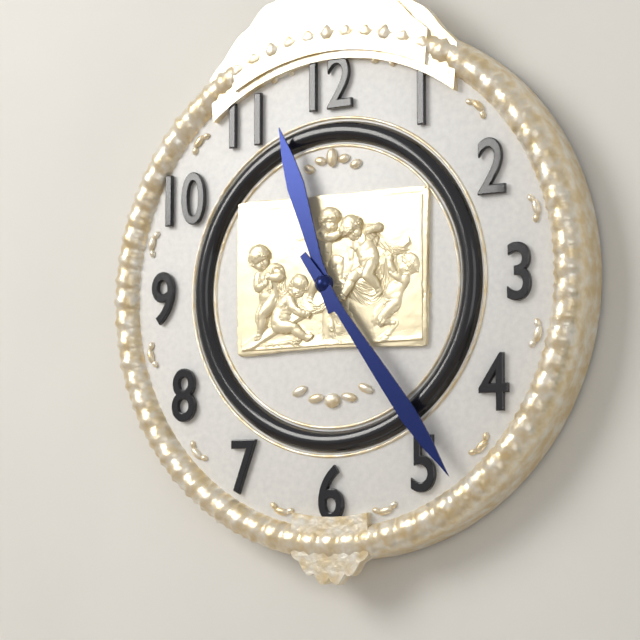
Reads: 11 h 24 min
